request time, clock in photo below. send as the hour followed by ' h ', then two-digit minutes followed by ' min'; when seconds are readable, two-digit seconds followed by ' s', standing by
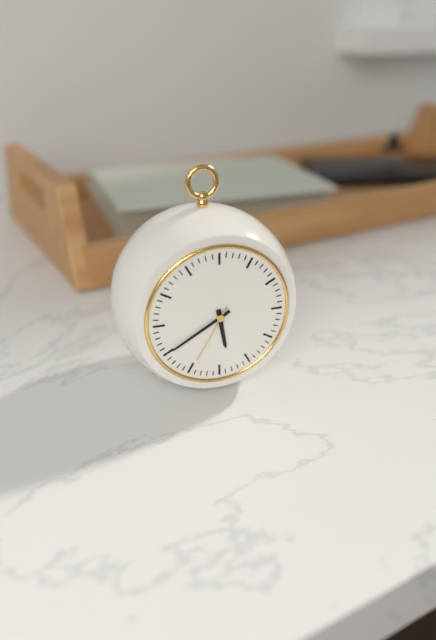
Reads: 5 h 40 min 35 s
